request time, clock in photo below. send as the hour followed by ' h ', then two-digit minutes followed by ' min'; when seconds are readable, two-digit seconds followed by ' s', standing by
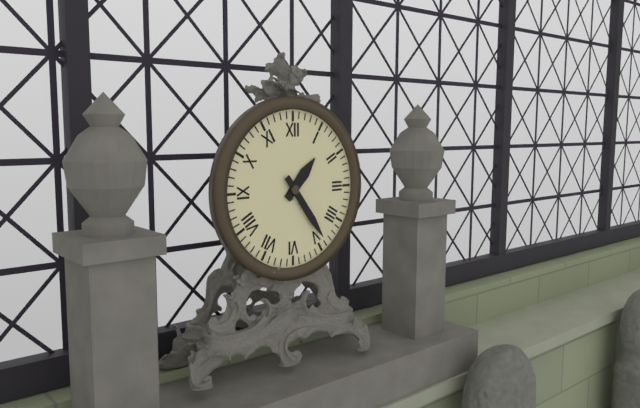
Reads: 1 h 24 min
